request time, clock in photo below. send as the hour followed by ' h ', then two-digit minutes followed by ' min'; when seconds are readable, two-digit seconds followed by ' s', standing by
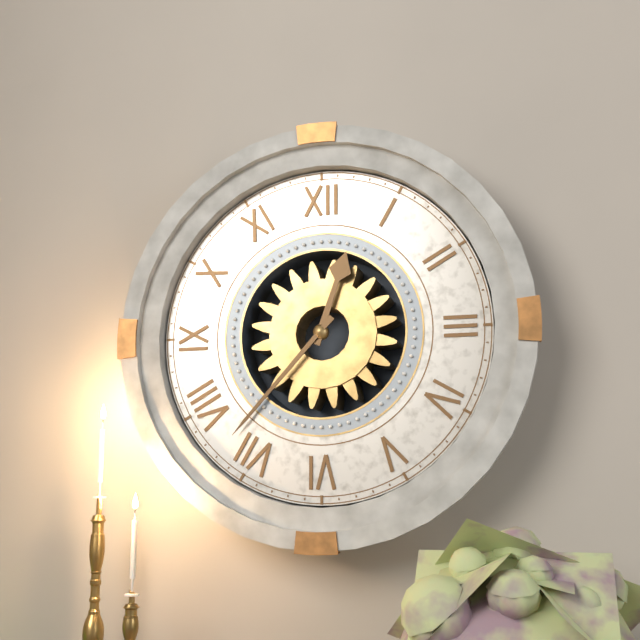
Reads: 12 h 37 min
